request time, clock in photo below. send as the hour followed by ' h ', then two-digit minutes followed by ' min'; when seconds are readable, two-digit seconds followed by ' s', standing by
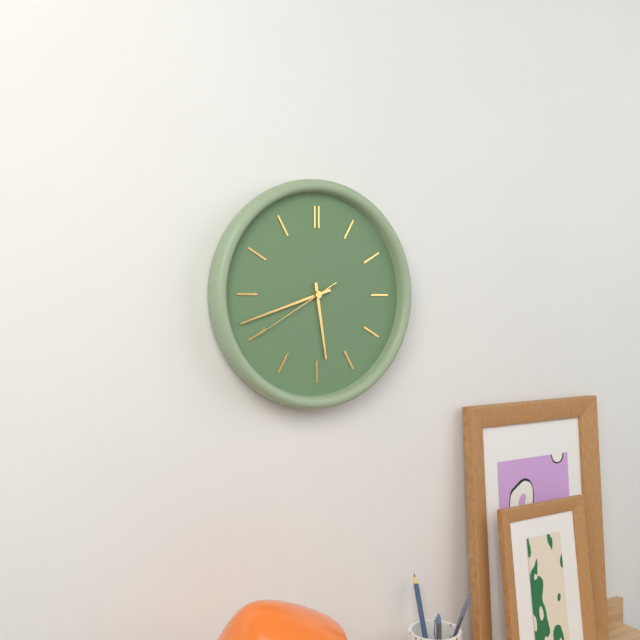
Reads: 5 h 42 min 40 s
